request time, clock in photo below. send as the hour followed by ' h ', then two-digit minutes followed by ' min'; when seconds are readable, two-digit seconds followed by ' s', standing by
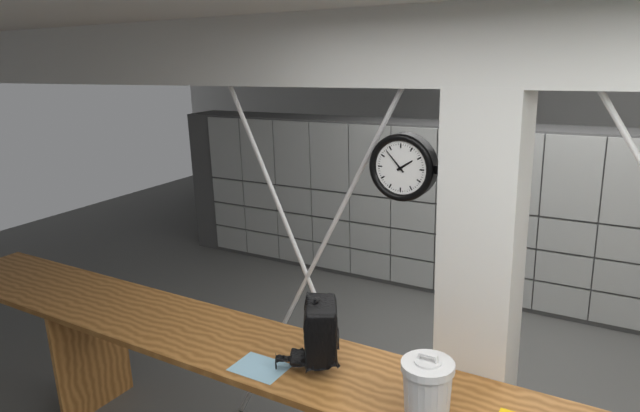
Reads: 1 h 53 min
